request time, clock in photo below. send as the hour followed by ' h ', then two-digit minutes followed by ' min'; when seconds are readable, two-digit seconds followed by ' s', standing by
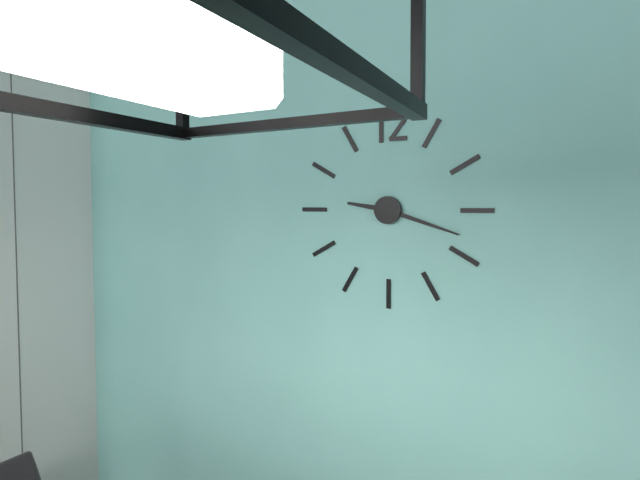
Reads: 9 h 18 min
